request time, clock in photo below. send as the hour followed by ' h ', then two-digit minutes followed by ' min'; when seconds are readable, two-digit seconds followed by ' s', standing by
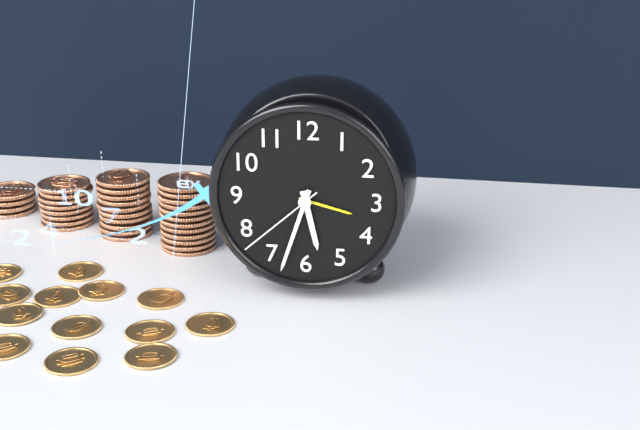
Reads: 5 h 33 min 38 s
